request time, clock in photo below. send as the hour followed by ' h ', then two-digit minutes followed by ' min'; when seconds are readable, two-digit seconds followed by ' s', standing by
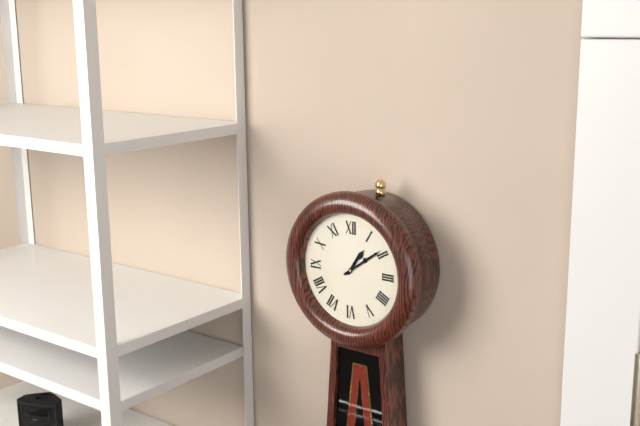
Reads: 1 h 09 min
